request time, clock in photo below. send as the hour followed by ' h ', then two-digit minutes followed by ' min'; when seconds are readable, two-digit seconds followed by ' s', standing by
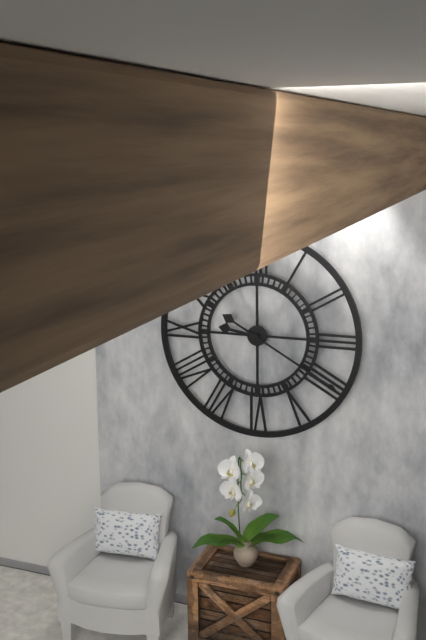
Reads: 9 h 20 min
